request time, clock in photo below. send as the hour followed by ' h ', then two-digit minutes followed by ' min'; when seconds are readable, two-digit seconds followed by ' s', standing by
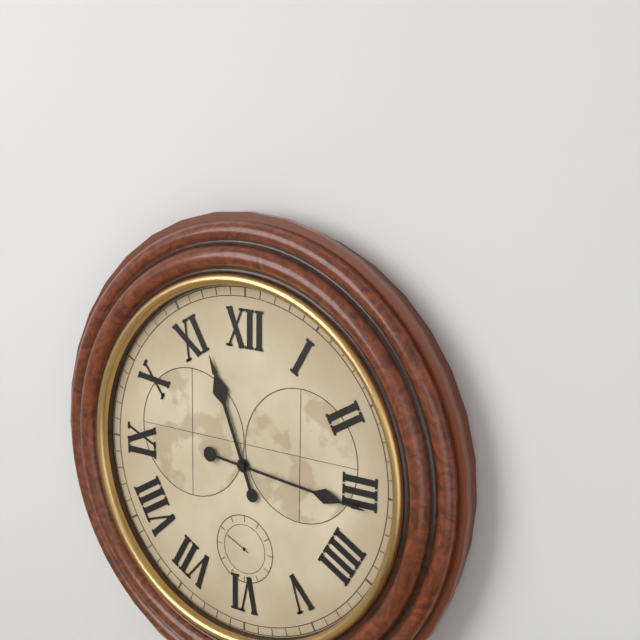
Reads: 11 h 16 min
